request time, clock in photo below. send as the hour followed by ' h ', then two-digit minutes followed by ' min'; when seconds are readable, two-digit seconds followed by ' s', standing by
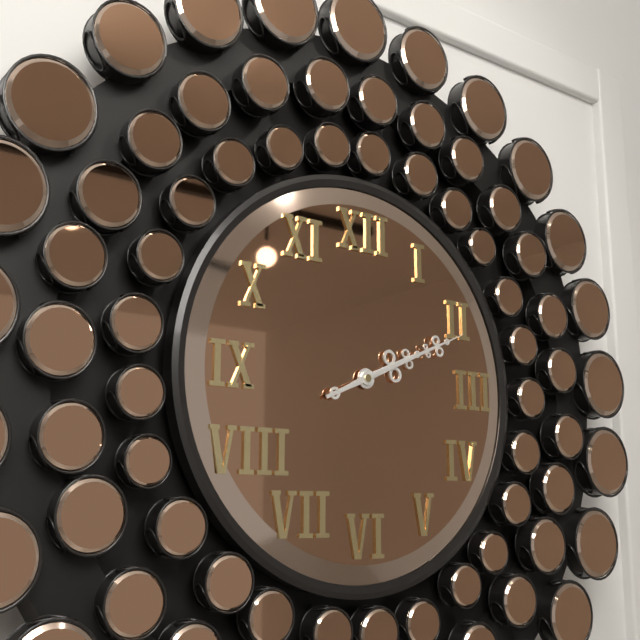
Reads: 2 h 11 min
